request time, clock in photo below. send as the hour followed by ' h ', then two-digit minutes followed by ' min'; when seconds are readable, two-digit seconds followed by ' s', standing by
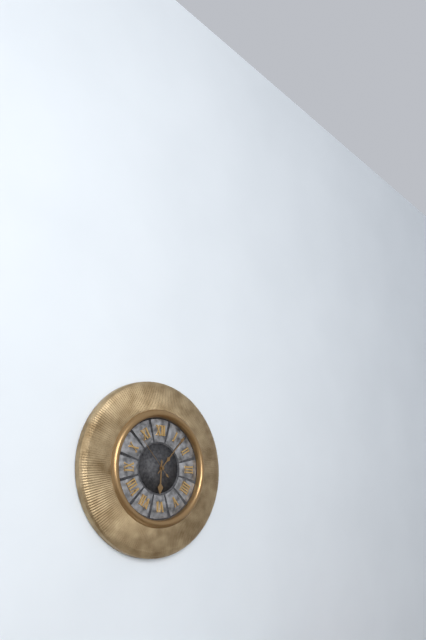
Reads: 6 h 07 min 53 s
